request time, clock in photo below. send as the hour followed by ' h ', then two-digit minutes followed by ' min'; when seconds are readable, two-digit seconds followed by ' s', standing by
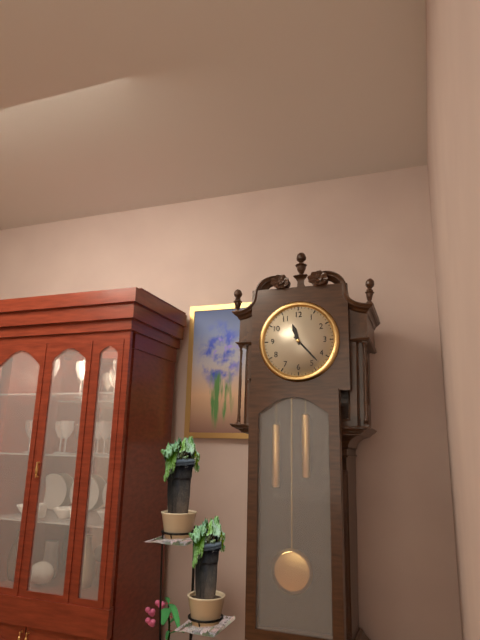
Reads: 11 h 23 min
